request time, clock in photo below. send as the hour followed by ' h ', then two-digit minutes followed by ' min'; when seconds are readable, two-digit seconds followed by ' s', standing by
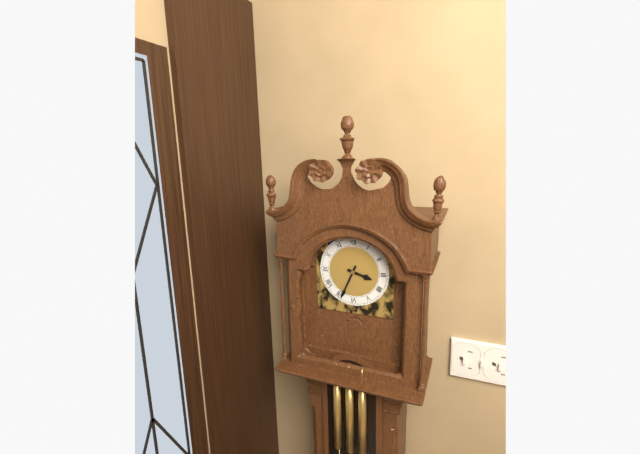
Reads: 3 h 34 min
